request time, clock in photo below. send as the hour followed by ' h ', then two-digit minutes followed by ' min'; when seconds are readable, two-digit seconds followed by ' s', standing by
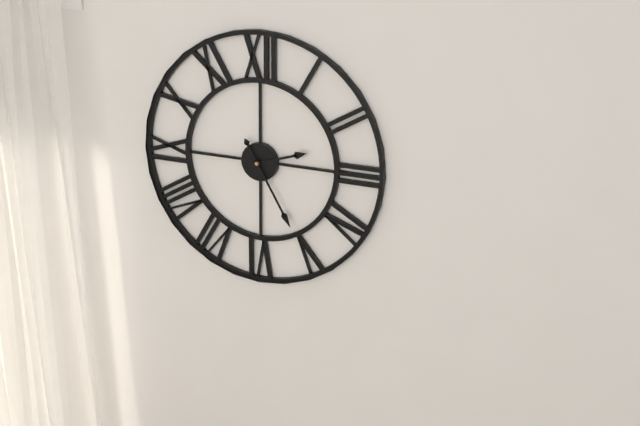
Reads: 2 h 25 min
